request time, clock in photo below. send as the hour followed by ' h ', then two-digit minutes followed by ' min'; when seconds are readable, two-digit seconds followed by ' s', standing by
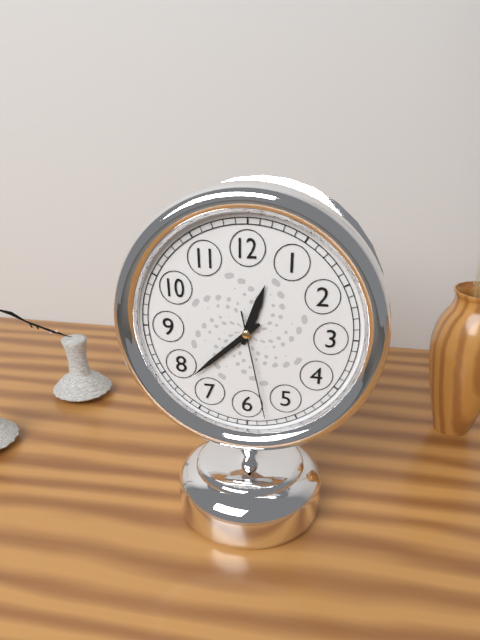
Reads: 12 h 38 min 28 s
